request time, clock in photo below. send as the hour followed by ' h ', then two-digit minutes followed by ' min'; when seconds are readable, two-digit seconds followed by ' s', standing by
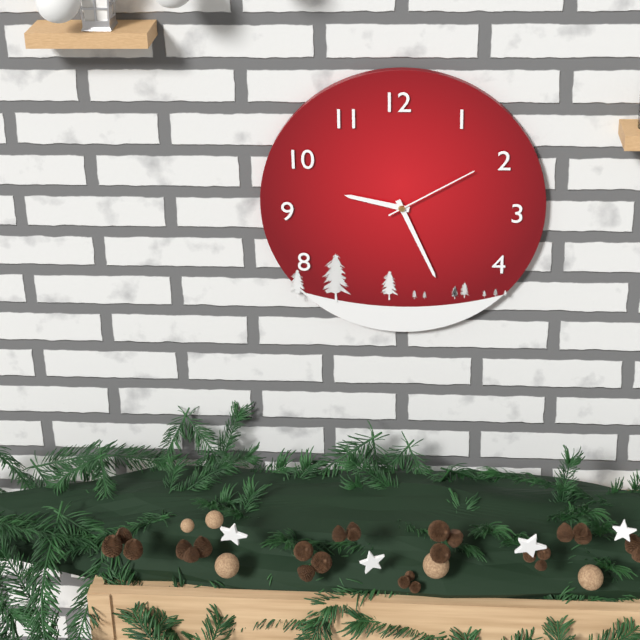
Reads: 9 h 26 min 10 s
